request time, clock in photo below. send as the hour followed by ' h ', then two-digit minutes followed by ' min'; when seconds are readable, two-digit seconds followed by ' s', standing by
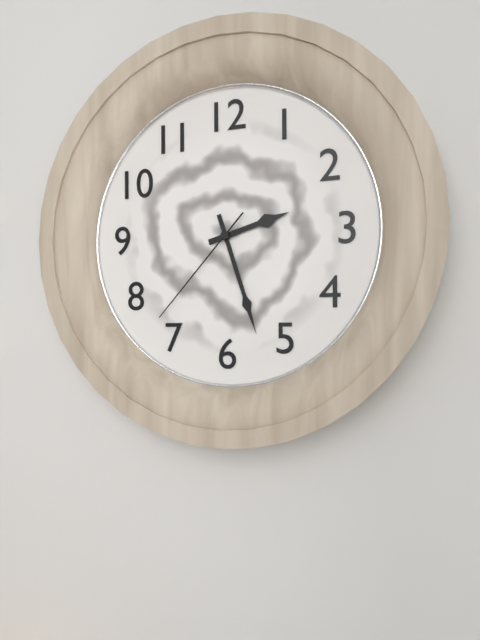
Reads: 2 h 27 min 37 s
